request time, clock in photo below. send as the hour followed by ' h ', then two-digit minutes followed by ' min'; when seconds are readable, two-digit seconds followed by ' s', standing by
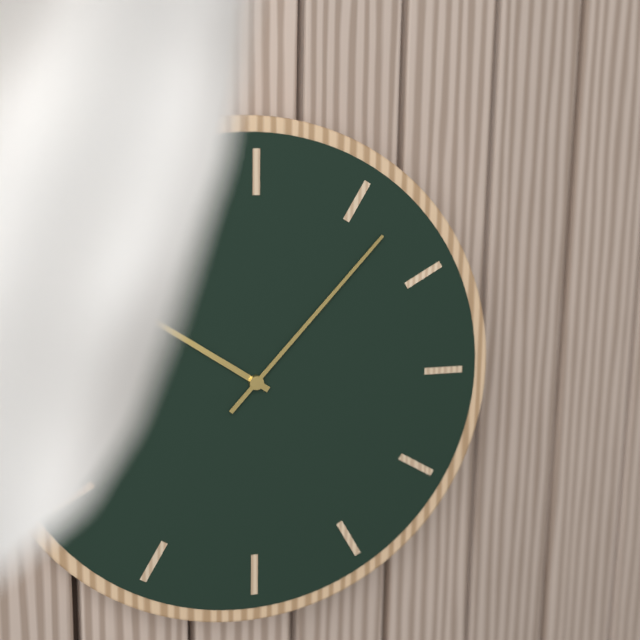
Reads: 10 h 07 min
